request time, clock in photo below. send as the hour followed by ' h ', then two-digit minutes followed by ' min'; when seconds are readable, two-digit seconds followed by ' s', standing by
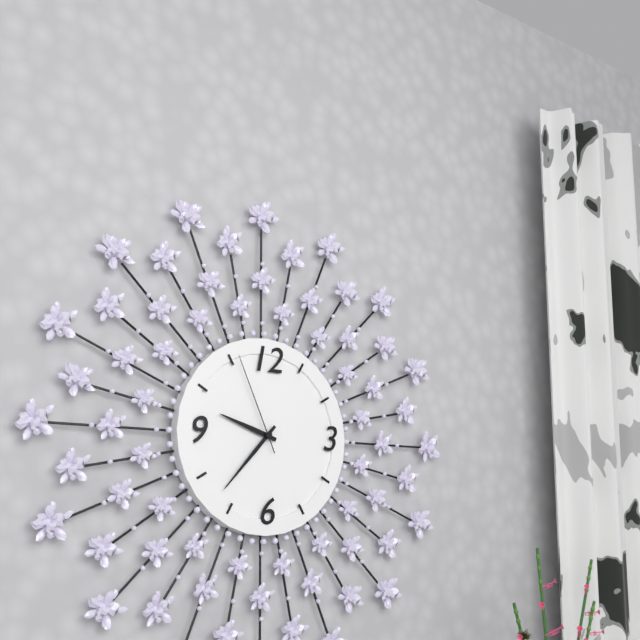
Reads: 9 h 37 min 56 s
